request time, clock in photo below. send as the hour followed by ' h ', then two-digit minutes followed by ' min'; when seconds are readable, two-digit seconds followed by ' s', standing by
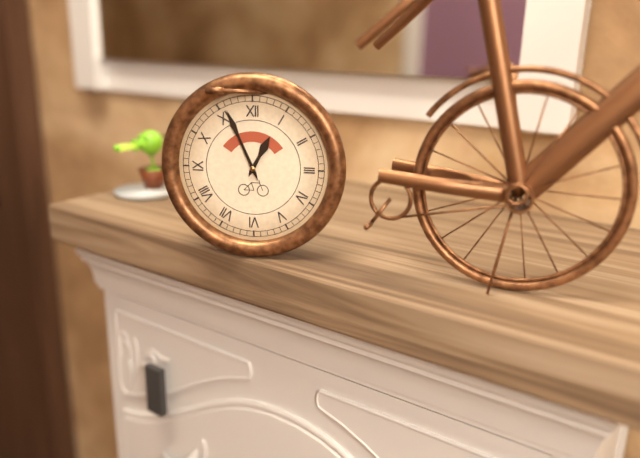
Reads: 12 h 56 min
